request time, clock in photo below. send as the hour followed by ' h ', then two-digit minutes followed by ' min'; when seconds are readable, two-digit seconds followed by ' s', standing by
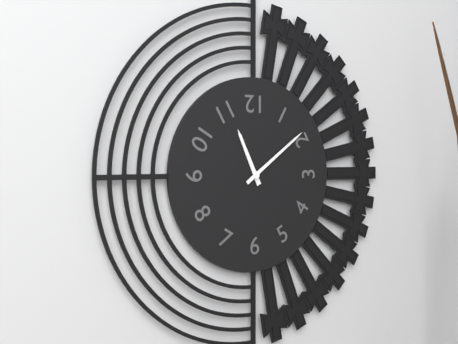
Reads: 11 h 09 min
